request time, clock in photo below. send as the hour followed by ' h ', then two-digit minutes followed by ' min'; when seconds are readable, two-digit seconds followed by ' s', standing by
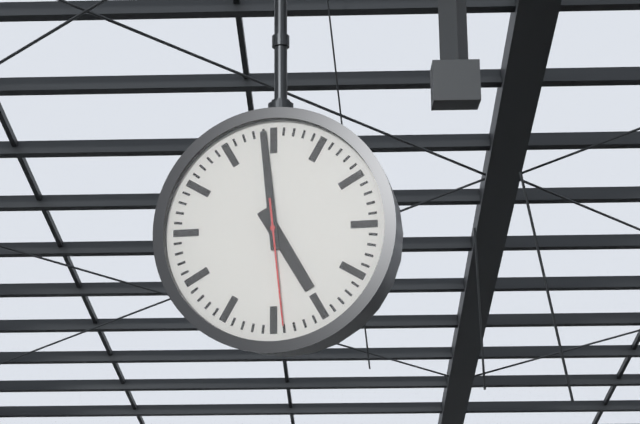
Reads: 4 h 59 min 29 s
